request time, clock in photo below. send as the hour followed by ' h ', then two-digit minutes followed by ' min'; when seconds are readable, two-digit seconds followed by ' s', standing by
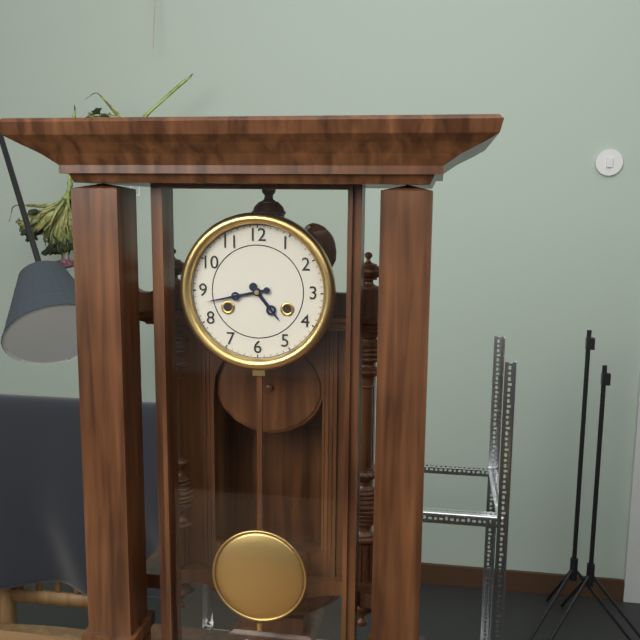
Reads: 4 h 43 min
